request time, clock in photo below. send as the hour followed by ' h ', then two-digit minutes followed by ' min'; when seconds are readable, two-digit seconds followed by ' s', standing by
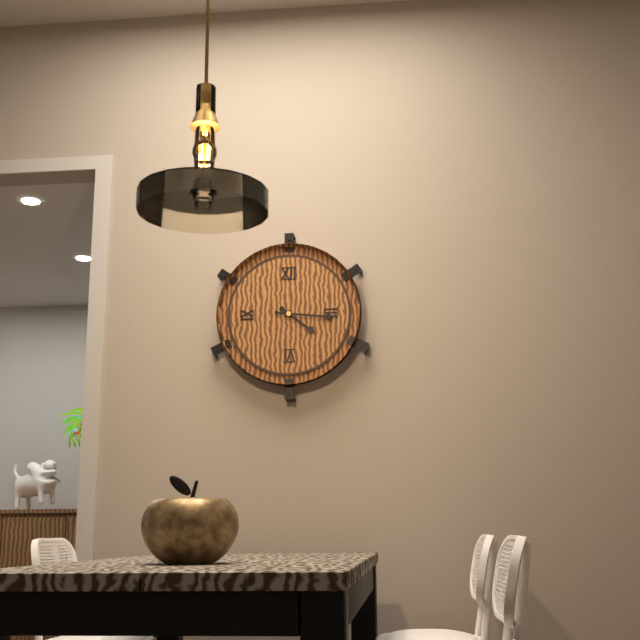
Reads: 4 h 16 min
